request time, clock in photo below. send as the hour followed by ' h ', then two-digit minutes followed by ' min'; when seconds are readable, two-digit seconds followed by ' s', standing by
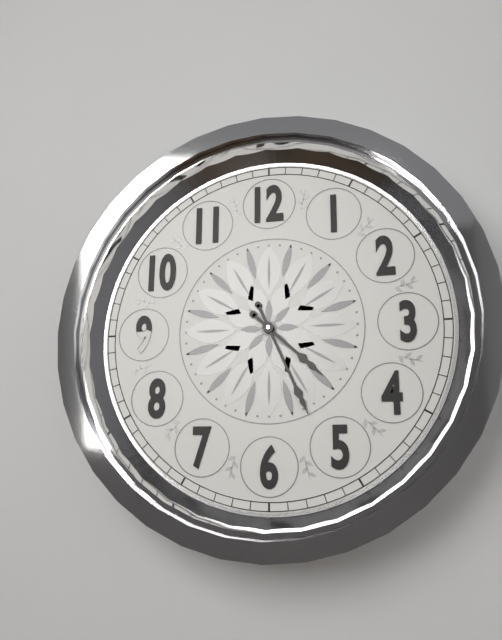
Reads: 4 h 26 min
